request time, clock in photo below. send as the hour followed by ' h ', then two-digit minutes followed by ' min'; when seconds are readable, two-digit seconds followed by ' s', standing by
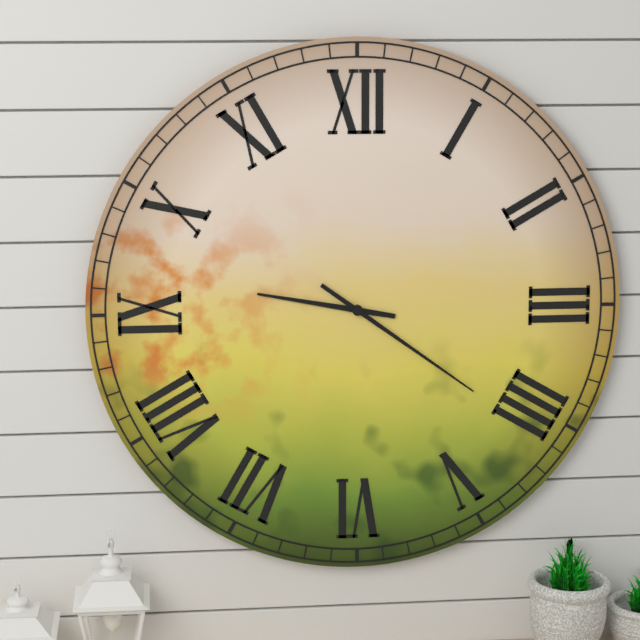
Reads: 9 h 21 min
